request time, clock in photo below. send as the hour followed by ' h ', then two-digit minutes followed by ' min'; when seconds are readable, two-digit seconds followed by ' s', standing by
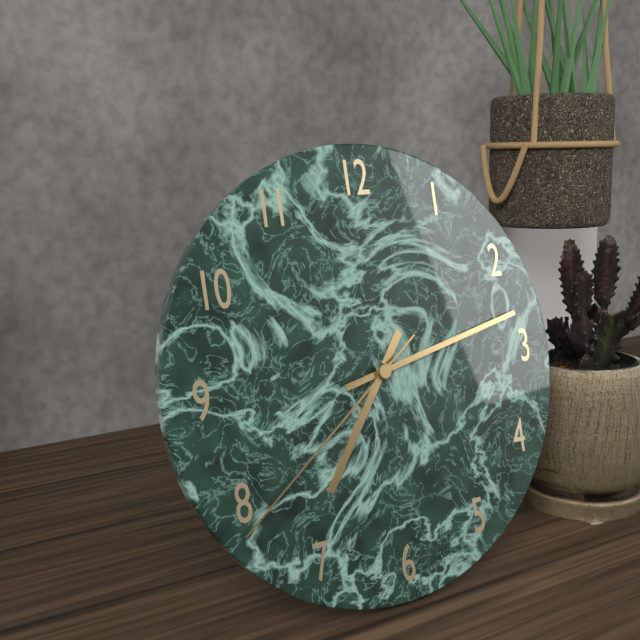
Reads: 7 h 13 min 39 s
